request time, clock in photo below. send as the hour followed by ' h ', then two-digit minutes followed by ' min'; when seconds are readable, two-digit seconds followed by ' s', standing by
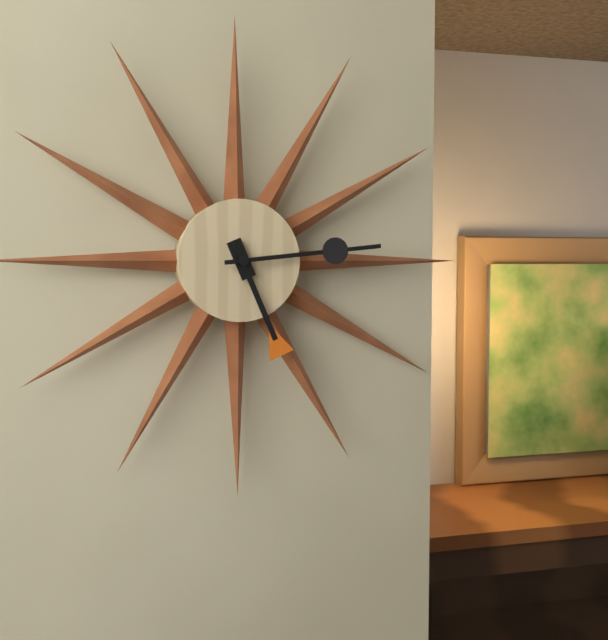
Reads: 5 h 14 min
